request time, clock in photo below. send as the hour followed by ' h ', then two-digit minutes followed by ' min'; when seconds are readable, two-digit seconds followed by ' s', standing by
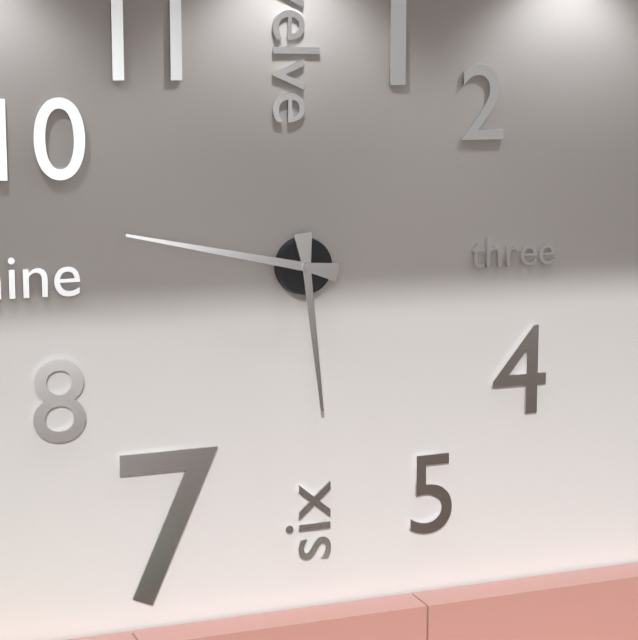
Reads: 5 h 47 min
